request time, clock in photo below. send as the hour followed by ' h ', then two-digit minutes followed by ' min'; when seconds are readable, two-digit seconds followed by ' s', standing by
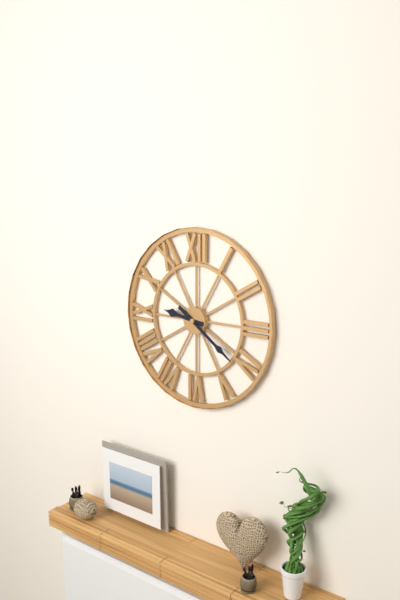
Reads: 9 h 21 min
